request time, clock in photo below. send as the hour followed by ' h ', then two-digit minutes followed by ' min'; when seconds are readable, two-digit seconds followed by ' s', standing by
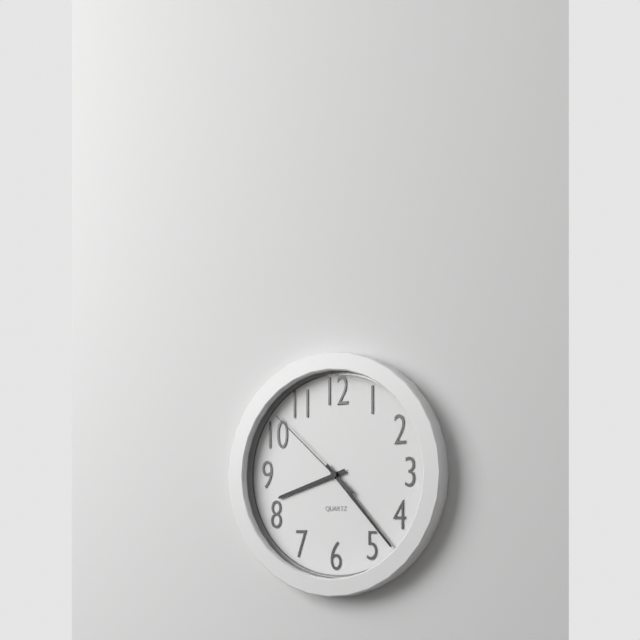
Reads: 8 h 23 min 52 s
